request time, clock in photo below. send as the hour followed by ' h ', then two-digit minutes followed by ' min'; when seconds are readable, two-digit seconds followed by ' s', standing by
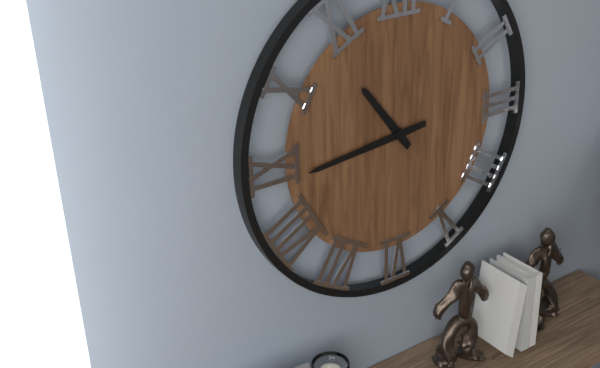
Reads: 10 h 44 min
